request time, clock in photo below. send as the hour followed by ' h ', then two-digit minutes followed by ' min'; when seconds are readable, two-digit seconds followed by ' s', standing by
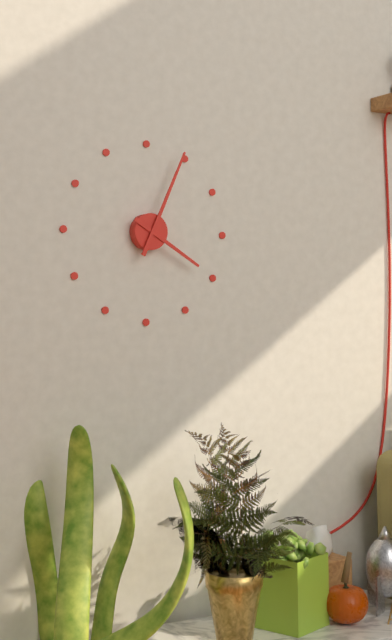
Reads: 4 h 04 min
